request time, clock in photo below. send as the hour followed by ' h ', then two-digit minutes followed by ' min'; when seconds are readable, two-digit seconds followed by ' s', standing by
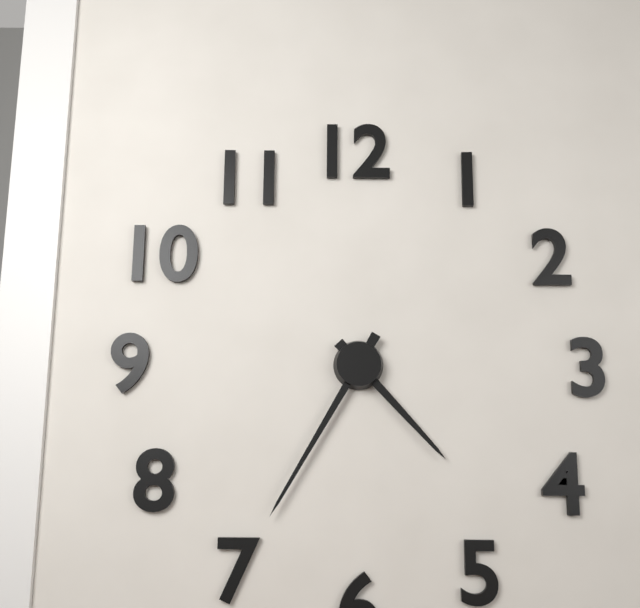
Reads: 4 h 35 min
